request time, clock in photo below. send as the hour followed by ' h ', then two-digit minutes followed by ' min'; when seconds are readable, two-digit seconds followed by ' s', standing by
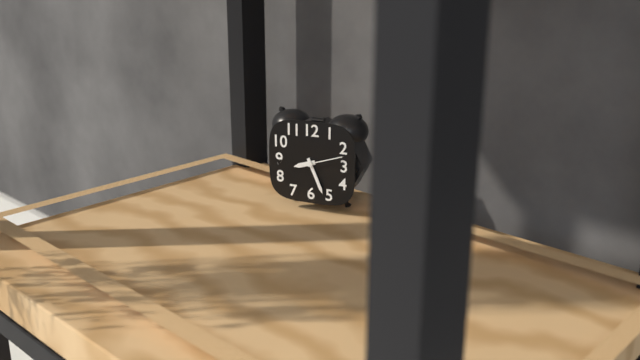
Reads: 8 h 26 min
